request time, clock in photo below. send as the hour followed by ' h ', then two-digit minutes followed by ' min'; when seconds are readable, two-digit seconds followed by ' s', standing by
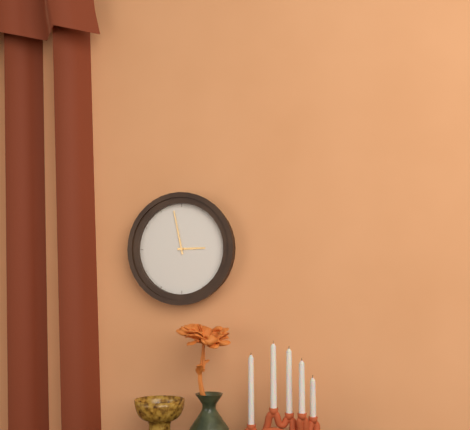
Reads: 2 h 58 min
